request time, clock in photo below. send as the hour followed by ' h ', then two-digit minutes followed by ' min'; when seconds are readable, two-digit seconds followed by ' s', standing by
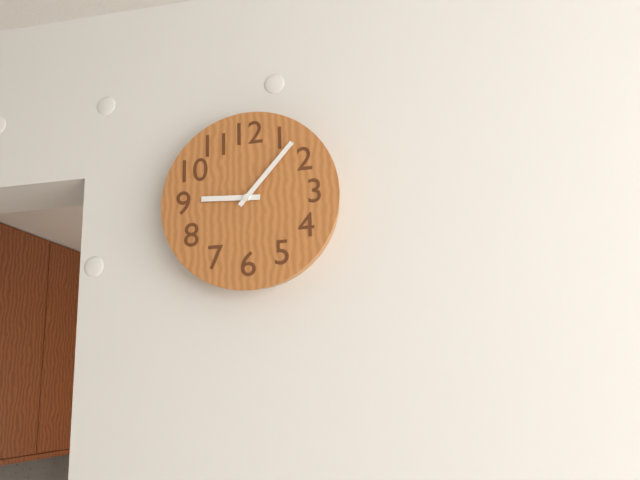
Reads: 9 h 07 min
